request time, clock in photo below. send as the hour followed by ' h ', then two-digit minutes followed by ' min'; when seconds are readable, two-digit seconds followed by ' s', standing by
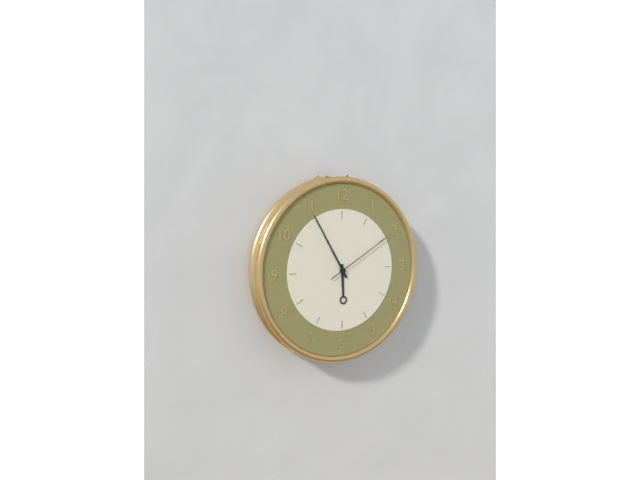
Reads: 5 h 55 min 10 s
